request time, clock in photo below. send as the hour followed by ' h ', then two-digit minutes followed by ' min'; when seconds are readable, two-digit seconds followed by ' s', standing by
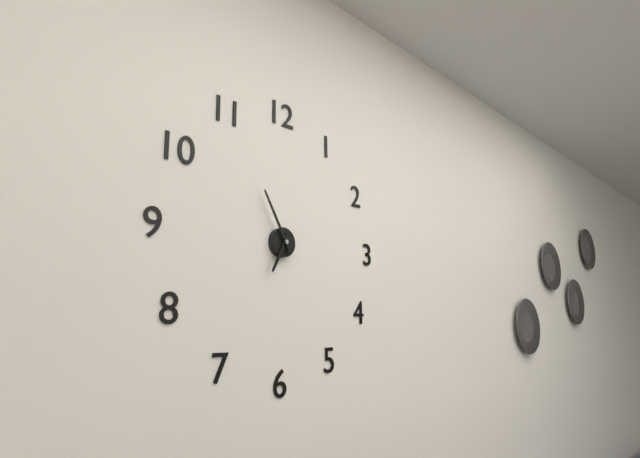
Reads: 6 h 55 min
